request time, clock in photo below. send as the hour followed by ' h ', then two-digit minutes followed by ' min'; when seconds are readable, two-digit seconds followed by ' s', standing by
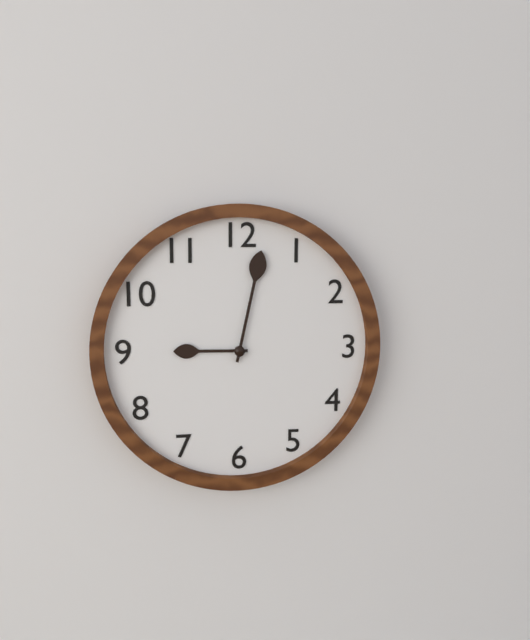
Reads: 9 h 02 min
